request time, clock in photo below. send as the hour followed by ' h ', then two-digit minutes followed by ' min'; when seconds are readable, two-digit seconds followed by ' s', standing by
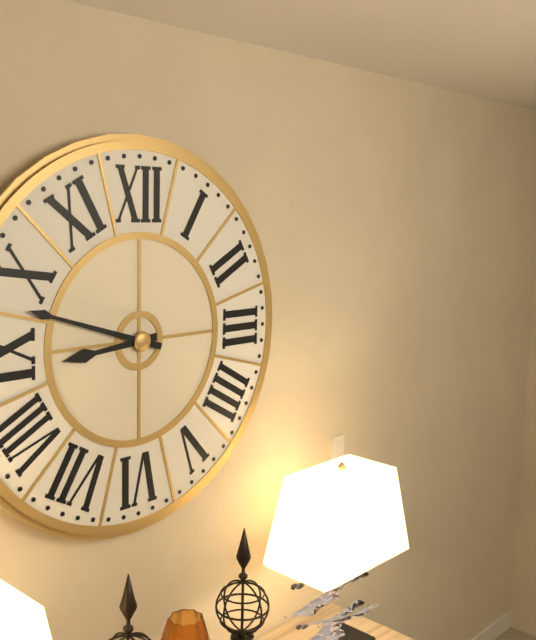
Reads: 8 h 48 min
